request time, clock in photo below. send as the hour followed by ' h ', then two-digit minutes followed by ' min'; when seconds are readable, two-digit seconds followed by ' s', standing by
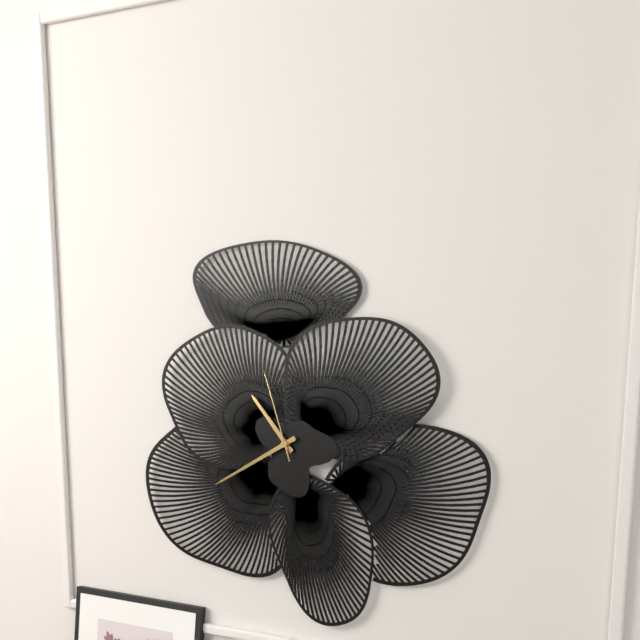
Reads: 10 h 40 min 57 s
